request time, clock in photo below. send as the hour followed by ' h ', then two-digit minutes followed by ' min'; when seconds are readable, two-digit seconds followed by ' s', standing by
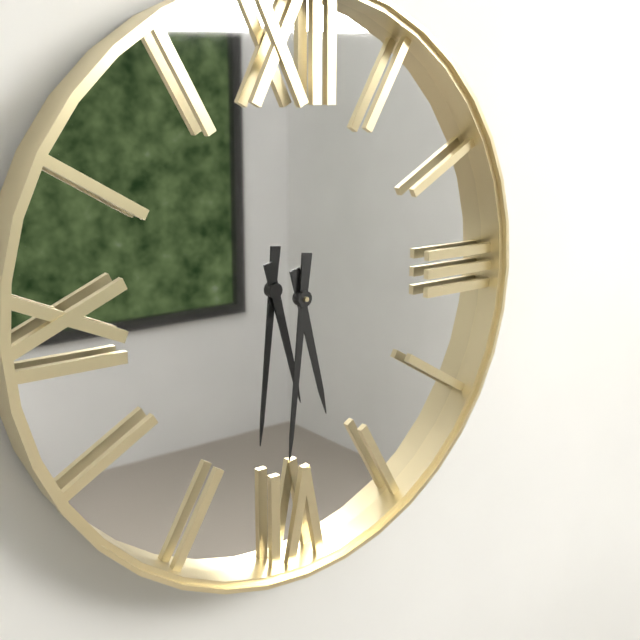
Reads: 5 h 31 min
